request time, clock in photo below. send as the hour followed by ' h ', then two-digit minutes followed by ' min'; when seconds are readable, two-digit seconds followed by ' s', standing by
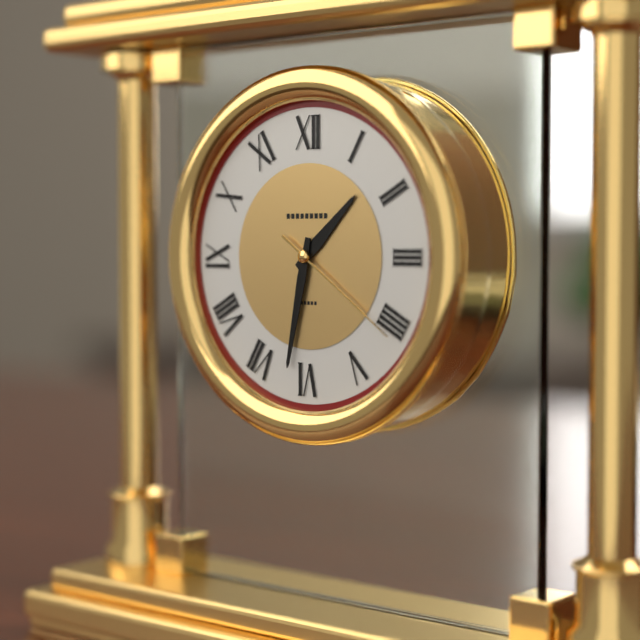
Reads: 1 h 32 min 21 s
